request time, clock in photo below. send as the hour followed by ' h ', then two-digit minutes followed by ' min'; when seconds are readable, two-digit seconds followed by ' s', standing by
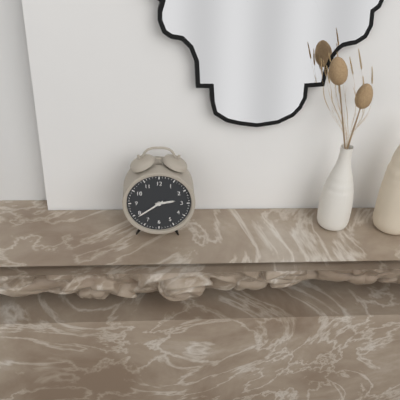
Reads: 2 h 39 min
